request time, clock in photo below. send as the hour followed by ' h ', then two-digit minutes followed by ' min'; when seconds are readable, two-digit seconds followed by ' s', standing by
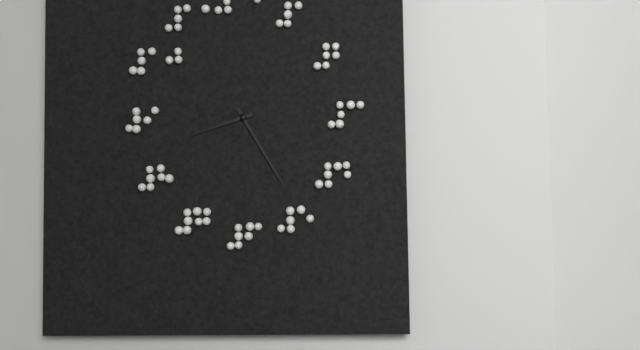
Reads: 8 h 25 min
